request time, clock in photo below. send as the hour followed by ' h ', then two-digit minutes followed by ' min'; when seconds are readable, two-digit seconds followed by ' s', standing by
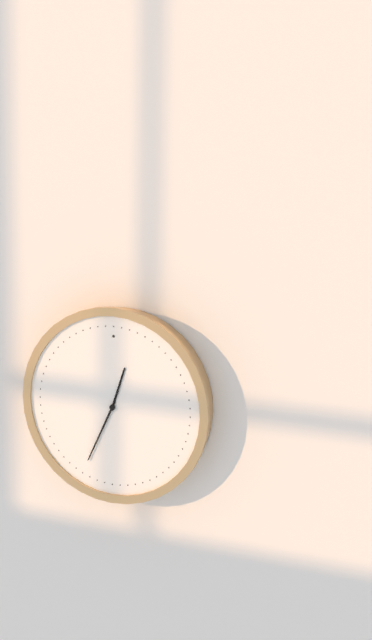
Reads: 12 h 34 min
